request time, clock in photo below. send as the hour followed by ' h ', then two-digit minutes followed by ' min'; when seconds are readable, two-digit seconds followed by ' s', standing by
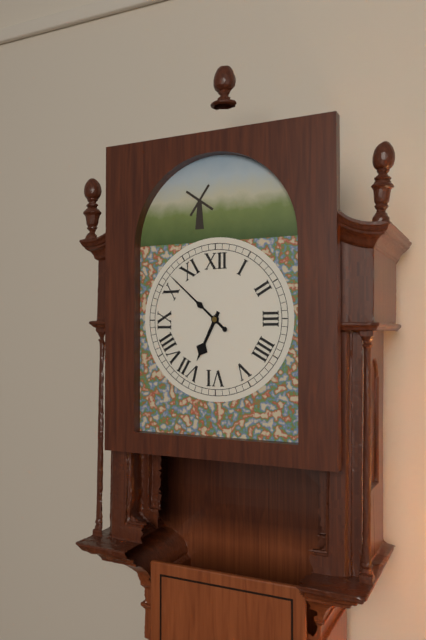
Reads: 6 h 52 min
